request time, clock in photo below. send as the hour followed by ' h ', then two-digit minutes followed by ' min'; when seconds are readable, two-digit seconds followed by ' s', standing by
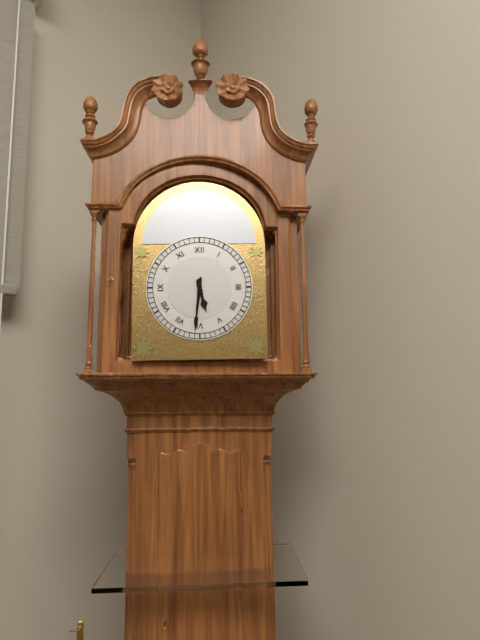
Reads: 5 h 31 min
